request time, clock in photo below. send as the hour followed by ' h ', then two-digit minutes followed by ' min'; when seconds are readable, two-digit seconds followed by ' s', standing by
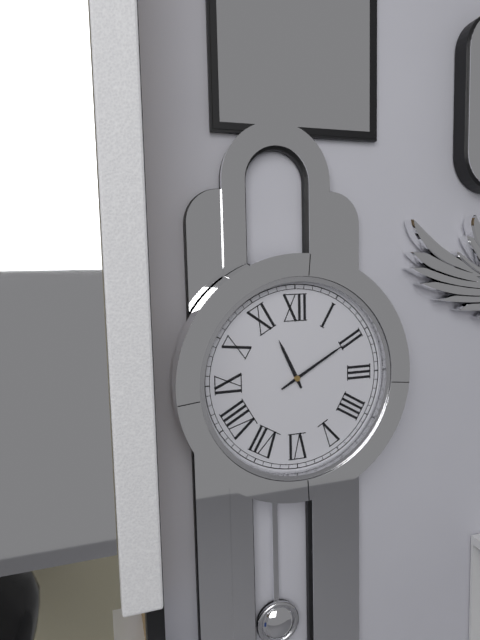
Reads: 11 h 10 min
